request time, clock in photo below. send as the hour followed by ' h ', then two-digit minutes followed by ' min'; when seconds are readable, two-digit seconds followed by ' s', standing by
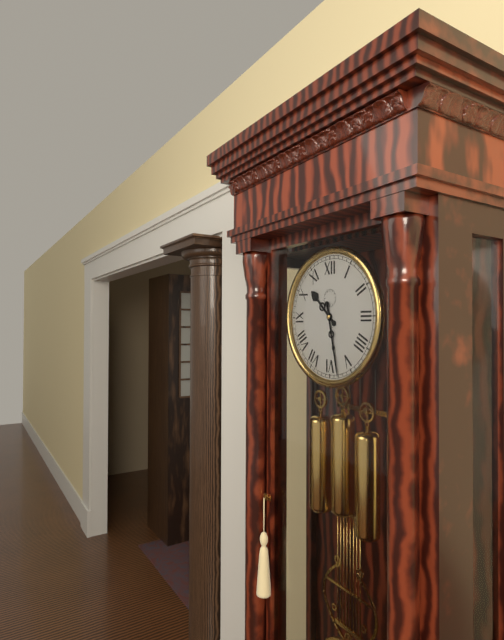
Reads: 10 h 28 min
